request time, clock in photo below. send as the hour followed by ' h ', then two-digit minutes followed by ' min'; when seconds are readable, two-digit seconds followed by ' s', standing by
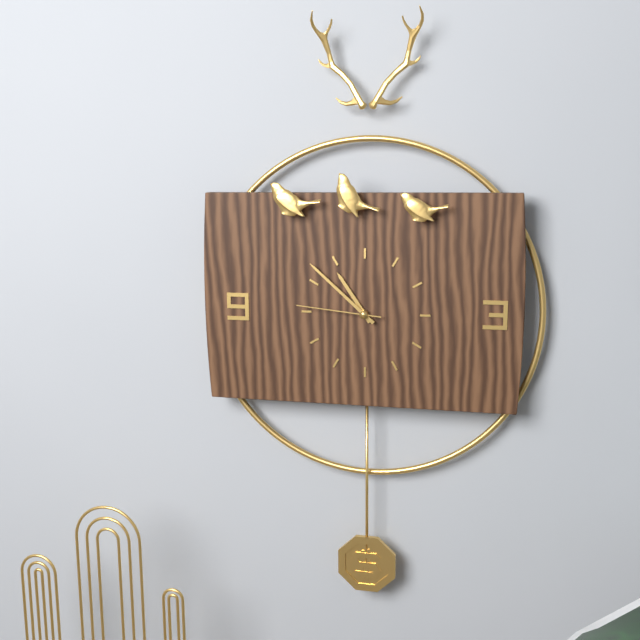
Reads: 10 h 52 min 46 s
